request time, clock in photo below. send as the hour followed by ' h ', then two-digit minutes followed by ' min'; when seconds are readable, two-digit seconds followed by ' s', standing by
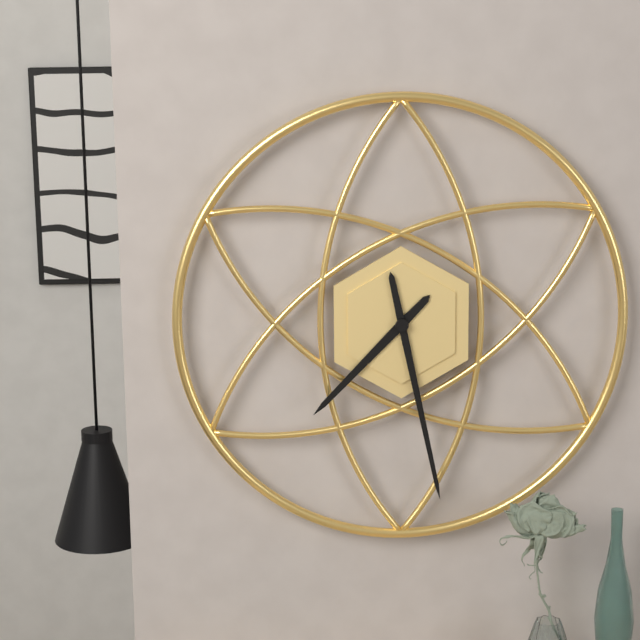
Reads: 7 h 28 min
